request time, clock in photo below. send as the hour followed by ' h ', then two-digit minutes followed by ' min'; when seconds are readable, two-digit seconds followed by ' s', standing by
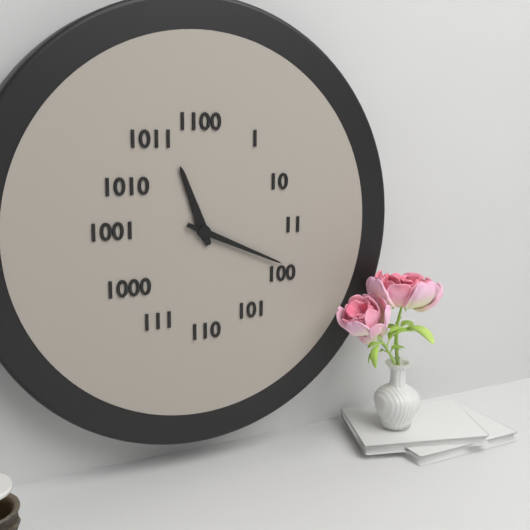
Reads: 11 h 19 min
